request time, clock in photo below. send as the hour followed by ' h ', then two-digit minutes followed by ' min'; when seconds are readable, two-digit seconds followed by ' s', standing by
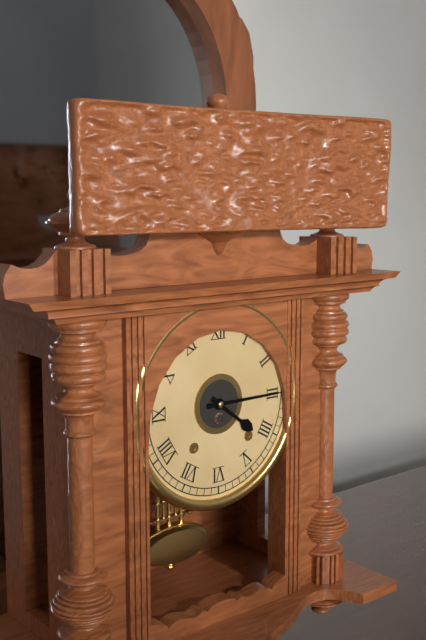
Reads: 4 h 15 min
